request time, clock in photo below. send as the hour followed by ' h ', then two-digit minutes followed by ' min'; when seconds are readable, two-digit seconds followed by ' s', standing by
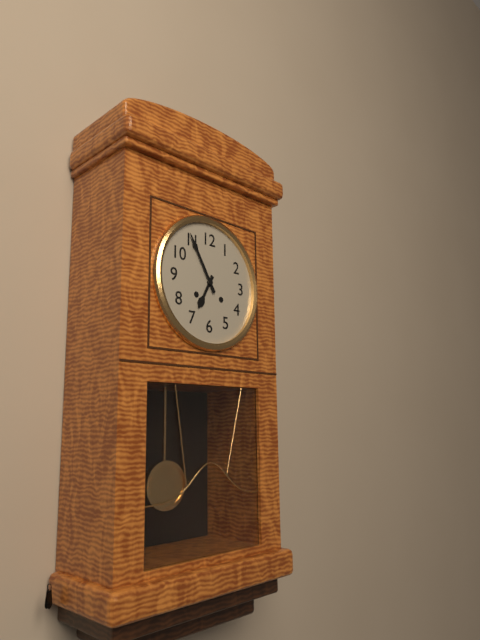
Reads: 6 h 55 min
